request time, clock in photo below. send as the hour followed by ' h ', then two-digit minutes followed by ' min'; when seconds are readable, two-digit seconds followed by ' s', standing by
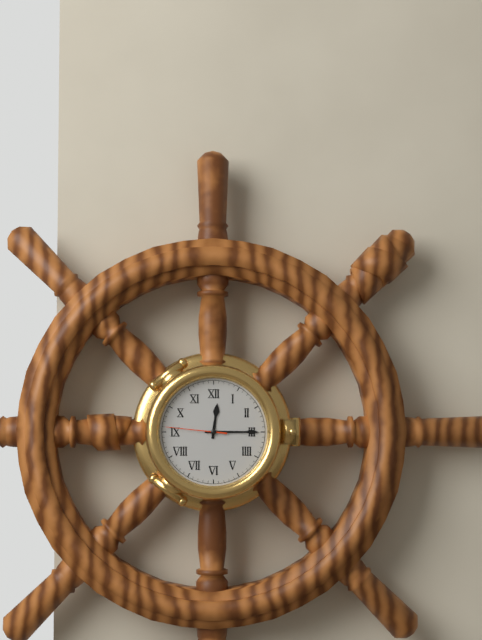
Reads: 12 h 15 min 46 s
